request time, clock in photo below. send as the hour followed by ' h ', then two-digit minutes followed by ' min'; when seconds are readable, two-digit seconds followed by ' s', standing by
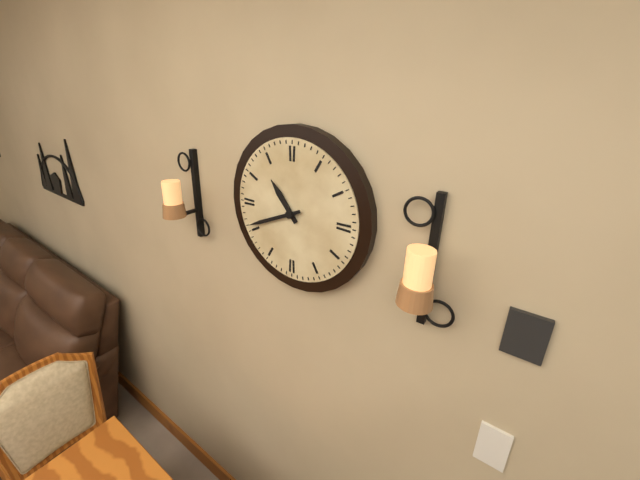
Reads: 10 h 41 min
